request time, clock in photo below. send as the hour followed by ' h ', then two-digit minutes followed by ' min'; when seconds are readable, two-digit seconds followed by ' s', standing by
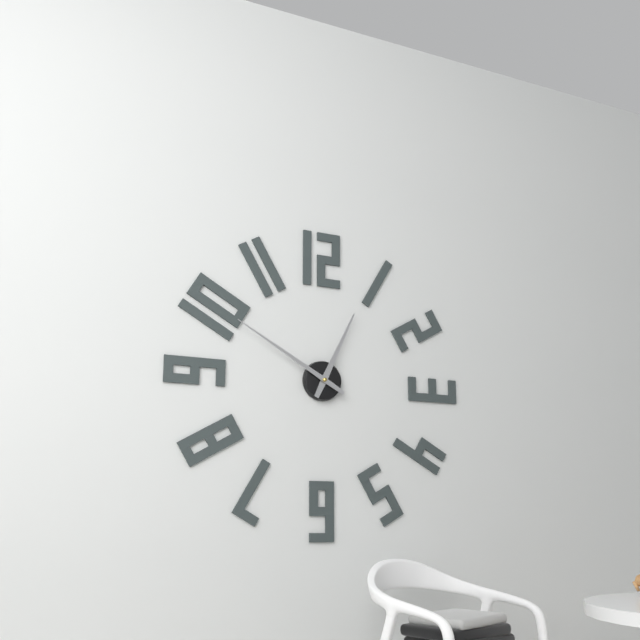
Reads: 12 h 50 min
